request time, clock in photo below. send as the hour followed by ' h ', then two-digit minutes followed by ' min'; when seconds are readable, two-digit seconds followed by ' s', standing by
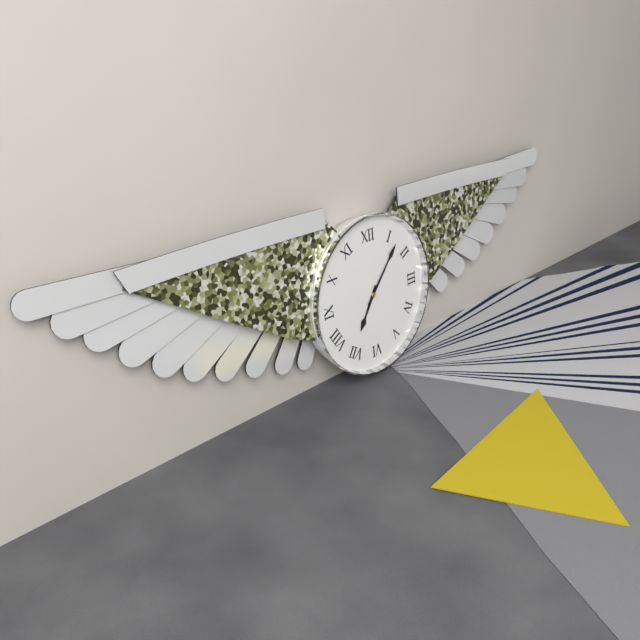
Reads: 7 h 07 min
